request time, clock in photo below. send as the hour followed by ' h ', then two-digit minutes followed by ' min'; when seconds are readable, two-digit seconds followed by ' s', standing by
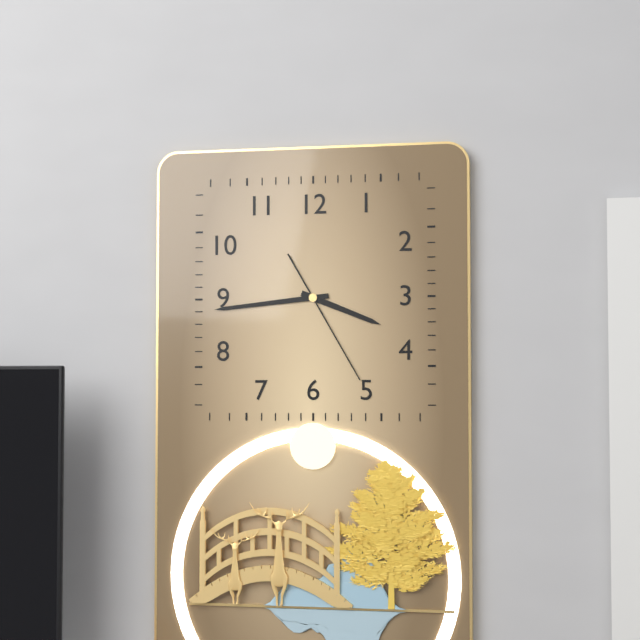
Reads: 3 h 44 min 25 s
